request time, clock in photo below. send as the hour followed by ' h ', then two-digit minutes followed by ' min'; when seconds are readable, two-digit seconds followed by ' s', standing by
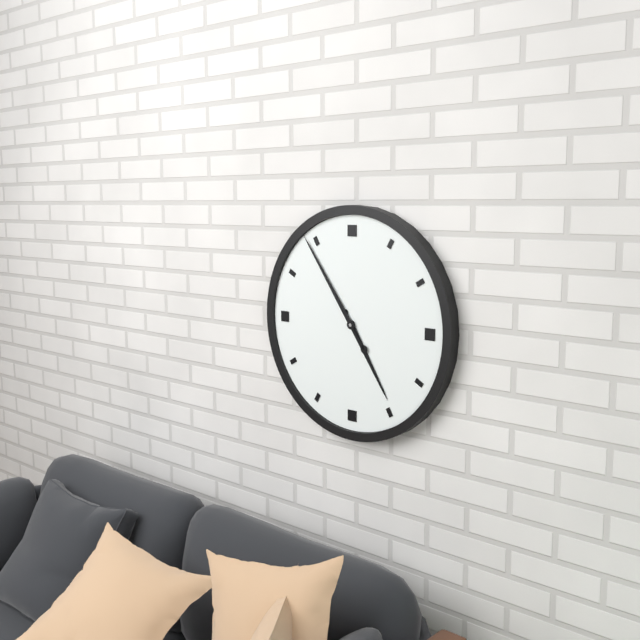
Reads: 4 h 54 min
